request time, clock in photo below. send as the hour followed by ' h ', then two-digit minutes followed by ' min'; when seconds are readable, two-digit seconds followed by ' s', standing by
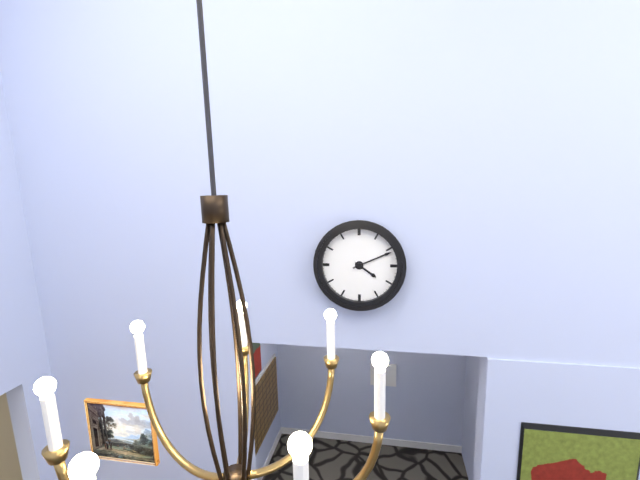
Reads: 4 h 11 min
